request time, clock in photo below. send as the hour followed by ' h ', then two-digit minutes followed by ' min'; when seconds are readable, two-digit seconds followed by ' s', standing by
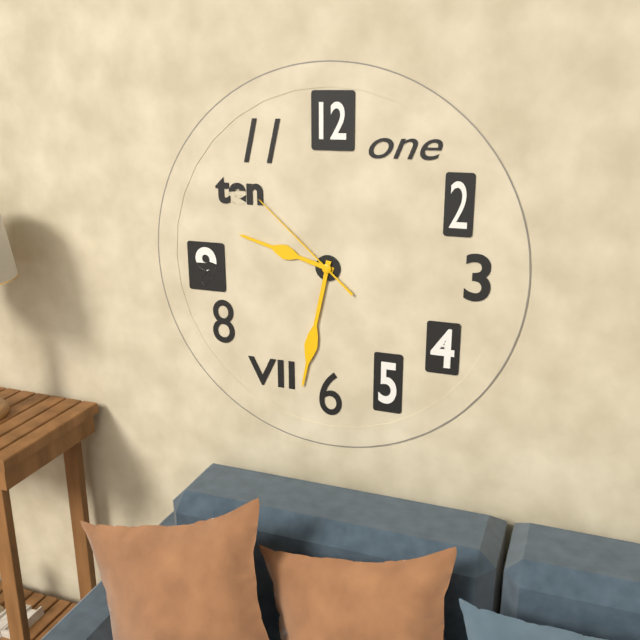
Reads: 9 h 32 min 52 s
